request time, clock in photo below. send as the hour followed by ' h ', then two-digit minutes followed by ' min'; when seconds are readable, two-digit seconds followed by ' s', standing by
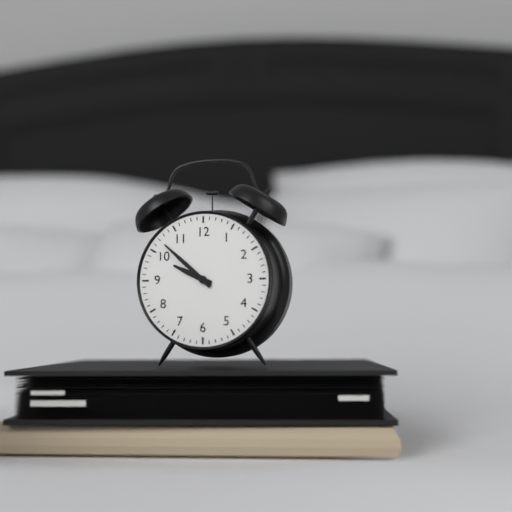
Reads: 9 h 52 min
